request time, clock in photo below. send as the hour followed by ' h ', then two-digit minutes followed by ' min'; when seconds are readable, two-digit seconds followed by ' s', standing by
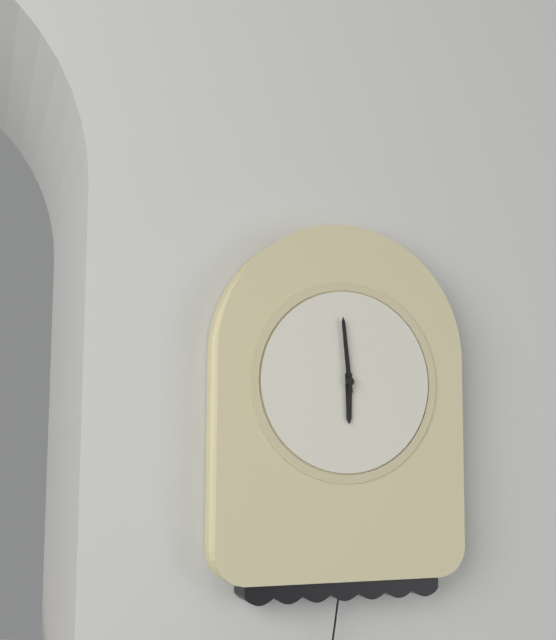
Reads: 5 h 59 min
